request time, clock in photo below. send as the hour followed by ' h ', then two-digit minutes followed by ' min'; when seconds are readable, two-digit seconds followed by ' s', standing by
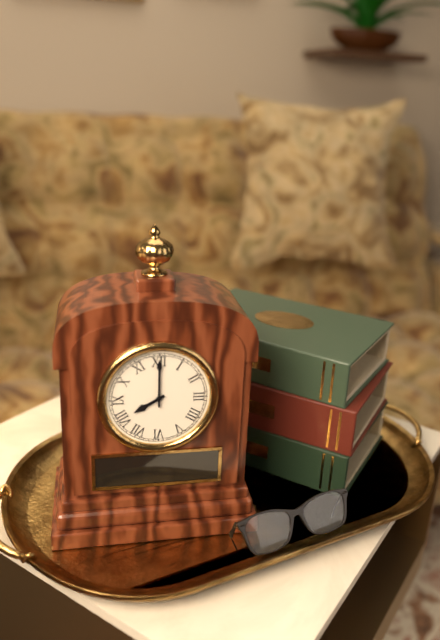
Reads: 8 h 00 min
